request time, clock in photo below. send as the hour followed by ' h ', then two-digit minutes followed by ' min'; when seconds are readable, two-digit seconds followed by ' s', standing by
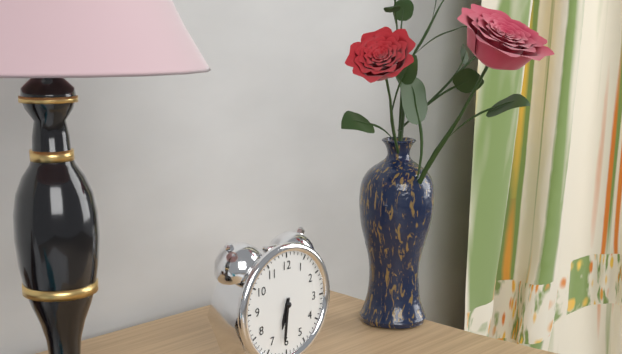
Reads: 6 h 31 min
